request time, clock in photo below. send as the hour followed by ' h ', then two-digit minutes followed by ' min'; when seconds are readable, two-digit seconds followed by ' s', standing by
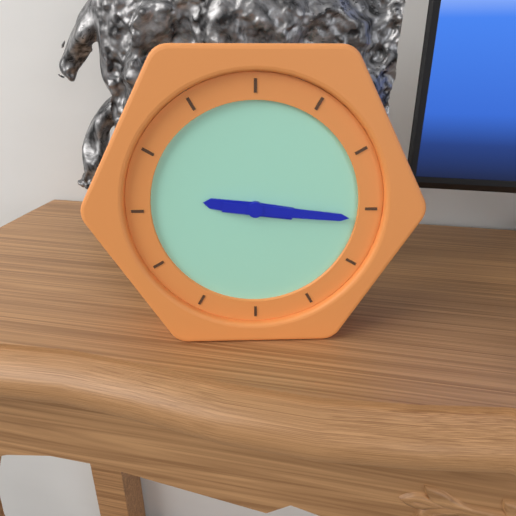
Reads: 9 h 16 min
